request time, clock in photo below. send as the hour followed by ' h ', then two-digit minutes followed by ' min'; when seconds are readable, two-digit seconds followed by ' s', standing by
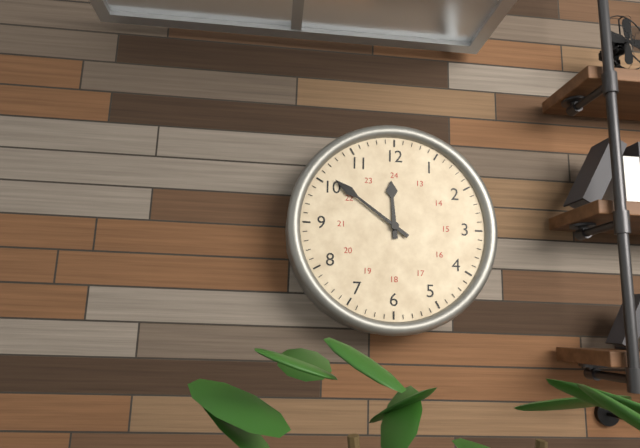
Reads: 11 h 51 min
